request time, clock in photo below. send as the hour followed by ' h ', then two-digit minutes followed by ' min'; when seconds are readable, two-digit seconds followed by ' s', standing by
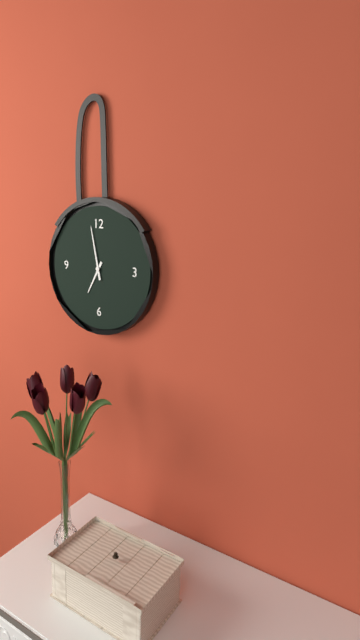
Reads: 6 h 58 min
